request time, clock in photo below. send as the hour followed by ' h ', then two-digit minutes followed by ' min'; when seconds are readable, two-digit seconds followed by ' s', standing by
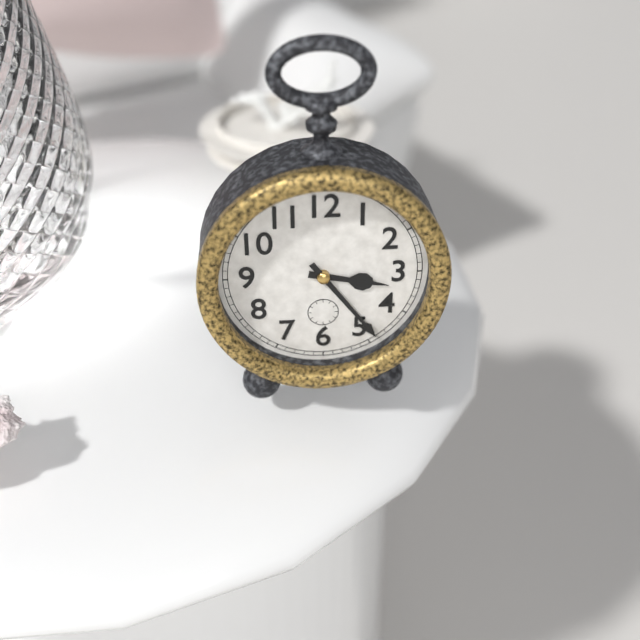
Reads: 3 h 24 min
